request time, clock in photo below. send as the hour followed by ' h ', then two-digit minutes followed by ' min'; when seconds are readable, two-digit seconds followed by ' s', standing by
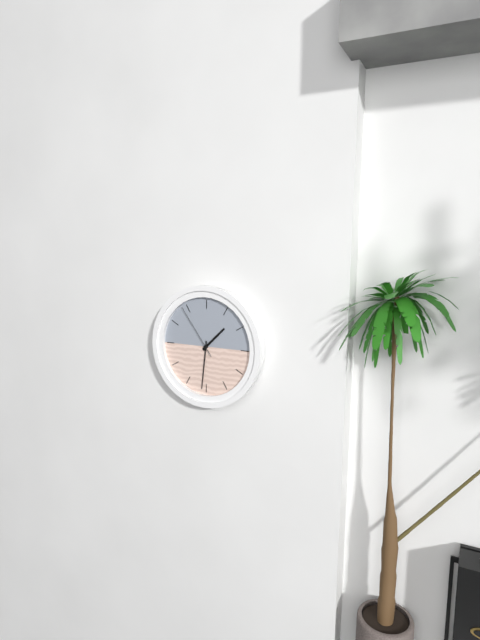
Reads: 1 h 31 min 54 s
